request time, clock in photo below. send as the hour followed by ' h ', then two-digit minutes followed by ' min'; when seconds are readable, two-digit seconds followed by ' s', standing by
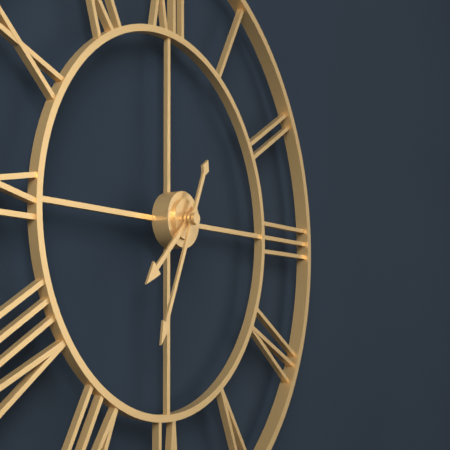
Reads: 7 h 34 min
